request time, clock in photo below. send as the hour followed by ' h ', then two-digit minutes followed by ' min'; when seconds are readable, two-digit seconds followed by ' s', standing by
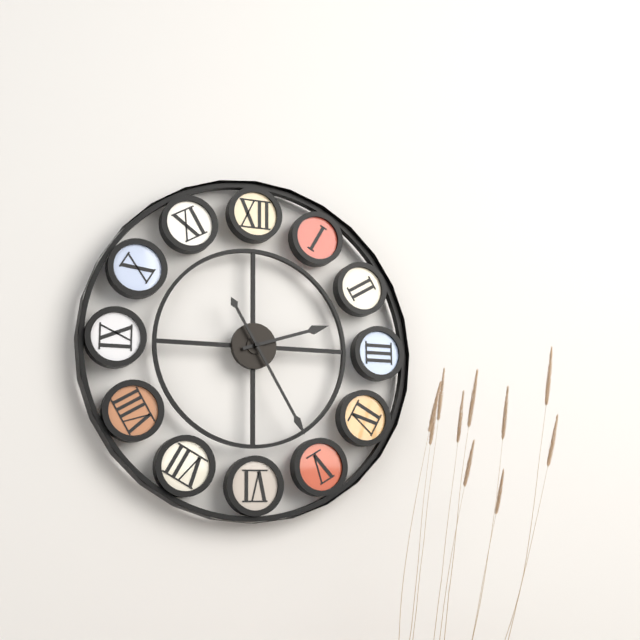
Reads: 2 h 25 min
